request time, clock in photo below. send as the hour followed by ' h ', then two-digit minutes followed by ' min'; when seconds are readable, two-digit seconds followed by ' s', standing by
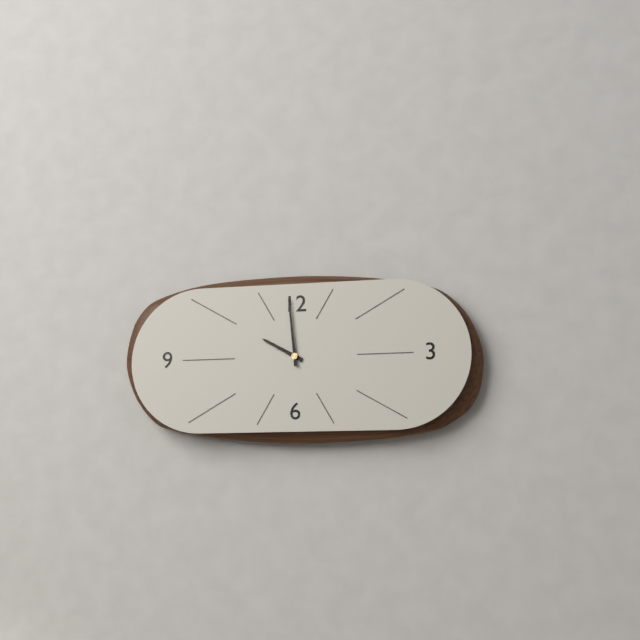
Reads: 9 h 59 min
